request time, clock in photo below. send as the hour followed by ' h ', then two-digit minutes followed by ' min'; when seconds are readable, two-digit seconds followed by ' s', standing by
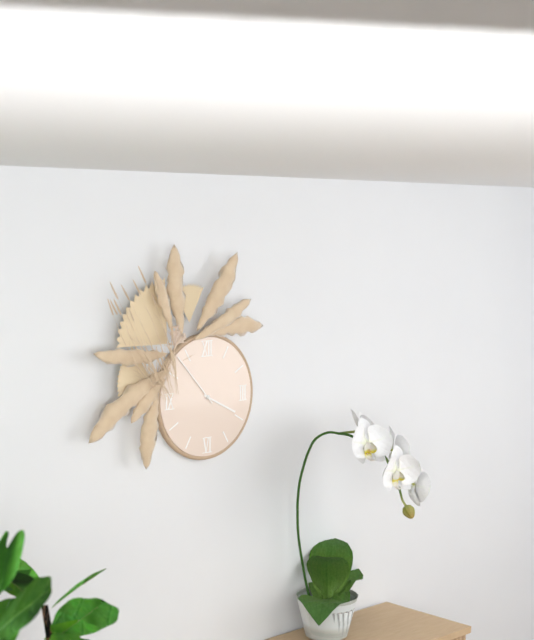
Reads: 3 h 53 min
